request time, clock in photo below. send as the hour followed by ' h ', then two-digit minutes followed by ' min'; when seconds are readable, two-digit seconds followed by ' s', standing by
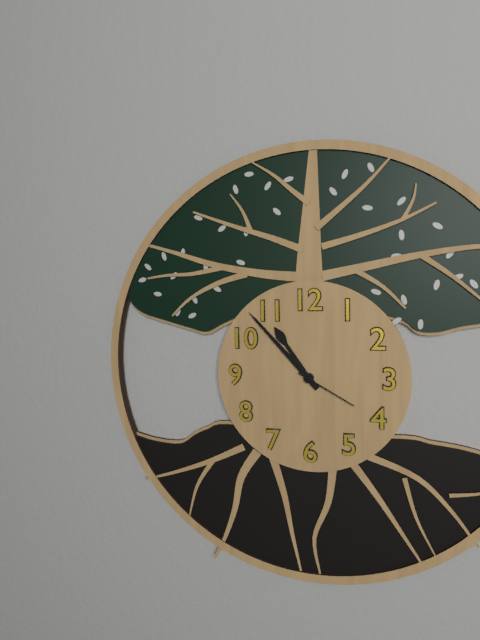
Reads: 10 h 53 min 20 s
